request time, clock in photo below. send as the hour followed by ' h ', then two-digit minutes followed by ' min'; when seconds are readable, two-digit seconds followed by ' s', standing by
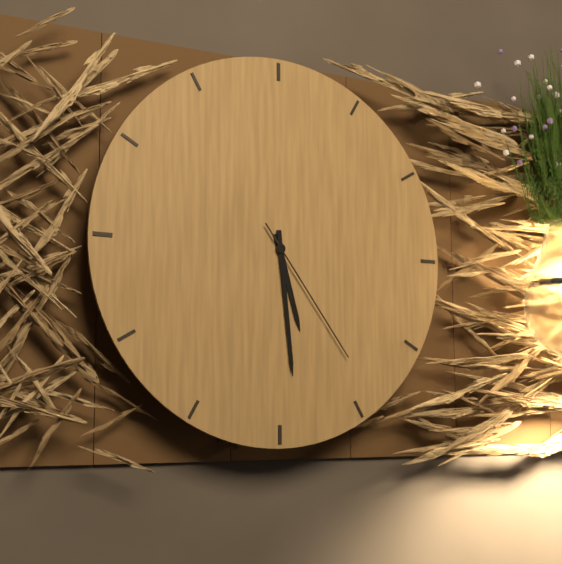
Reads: 5 h 29 min 24 s
